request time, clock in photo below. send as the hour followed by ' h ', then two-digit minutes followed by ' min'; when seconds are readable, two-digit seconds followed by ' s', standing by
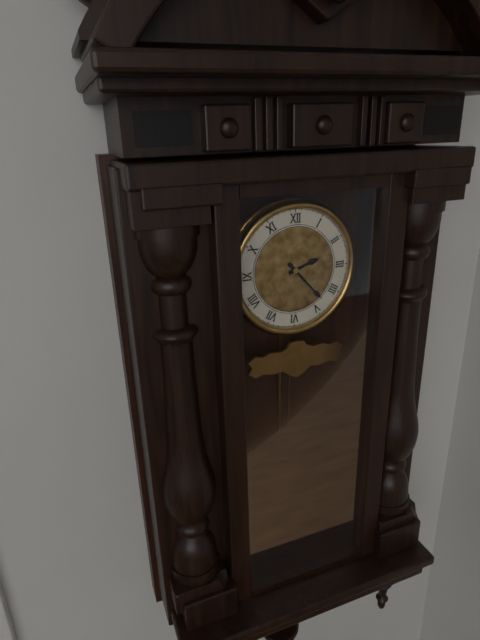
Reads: 2 h 23 min
